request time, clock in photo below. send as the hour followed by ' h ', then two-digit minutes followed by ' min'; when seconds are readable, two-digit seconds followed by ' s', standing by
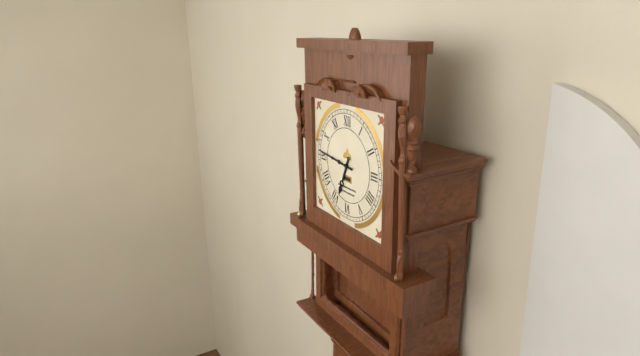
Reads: 6 h 46 min
